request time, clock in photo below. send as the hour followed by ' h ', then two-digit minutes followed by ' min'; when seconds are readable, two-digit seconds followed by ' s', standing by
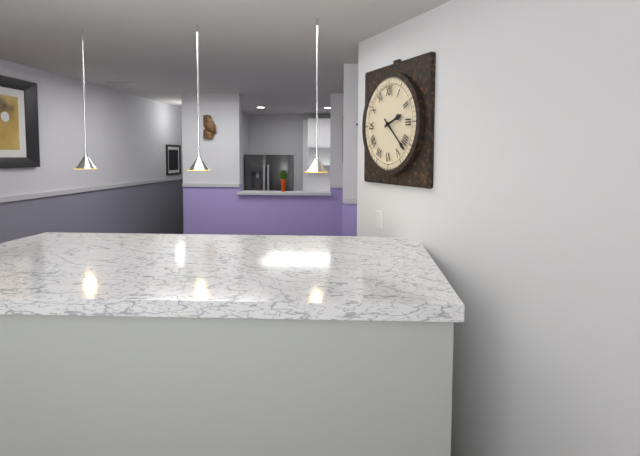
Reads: 2 h 22 min
